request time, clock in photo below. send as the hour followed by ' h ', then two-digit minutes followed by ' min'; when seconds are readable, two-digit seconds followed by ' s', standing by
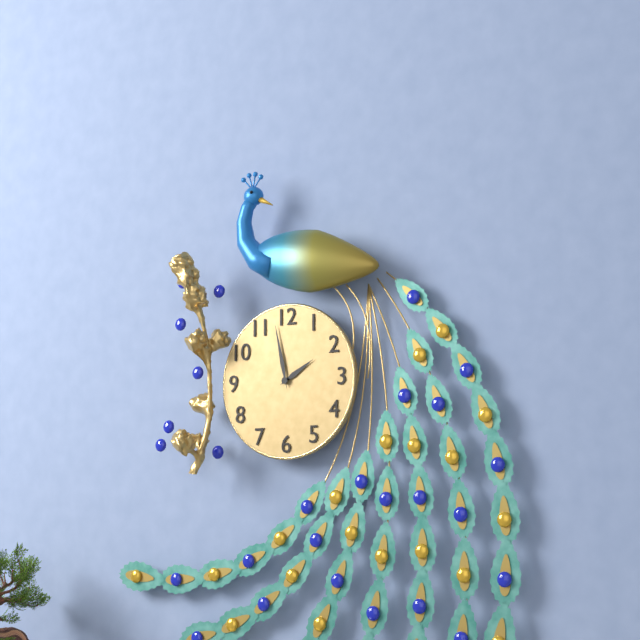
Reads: 1 h 58 min
